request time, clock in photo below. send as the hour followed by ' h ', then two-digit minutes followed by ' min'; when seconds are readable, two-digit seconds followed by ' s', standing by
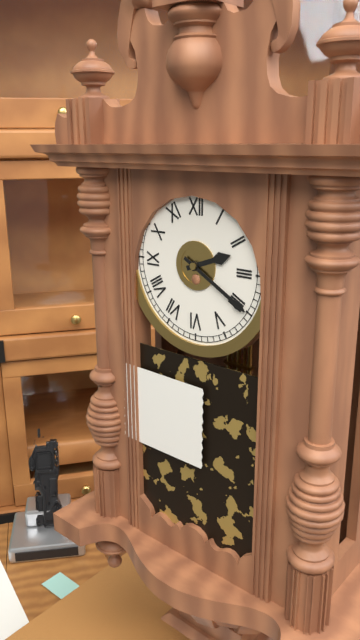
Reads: 2 h 20 min
